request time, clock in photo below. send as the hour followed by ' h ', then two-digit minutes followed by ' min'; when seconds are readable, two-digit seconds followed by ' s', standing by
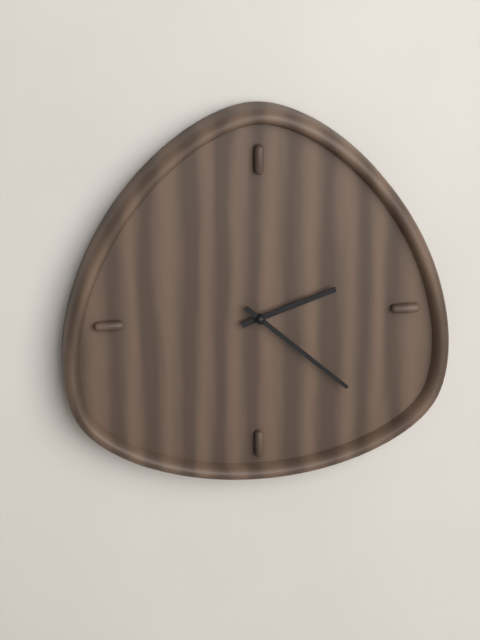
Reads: 2 h 22 min
